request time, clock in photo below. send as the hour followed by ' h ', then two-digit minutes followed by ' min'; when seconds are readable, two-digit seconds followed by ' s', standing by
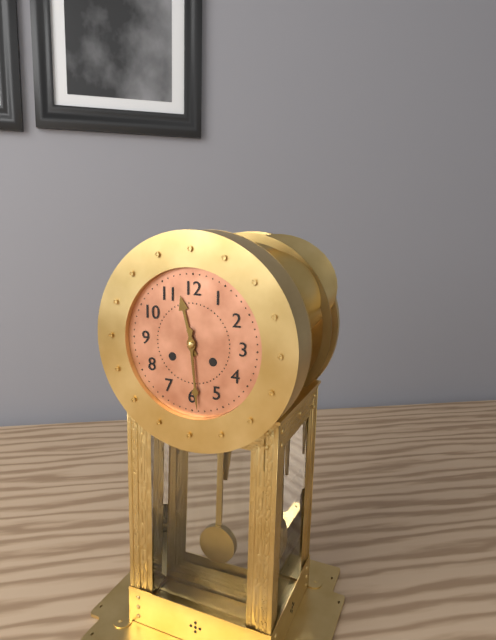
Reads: 11 h 29 min
